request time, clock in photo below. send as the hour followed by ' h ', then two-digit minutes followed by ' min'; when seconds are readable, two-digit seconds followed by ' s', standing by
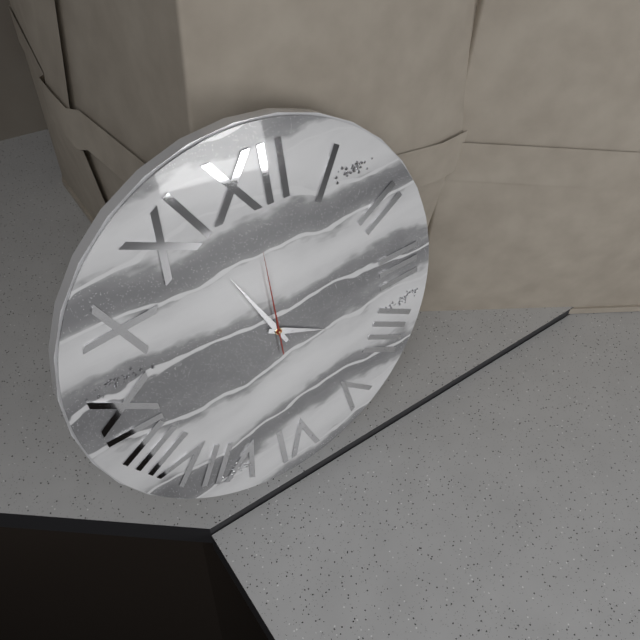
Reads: 3 h 56 min 00 s
